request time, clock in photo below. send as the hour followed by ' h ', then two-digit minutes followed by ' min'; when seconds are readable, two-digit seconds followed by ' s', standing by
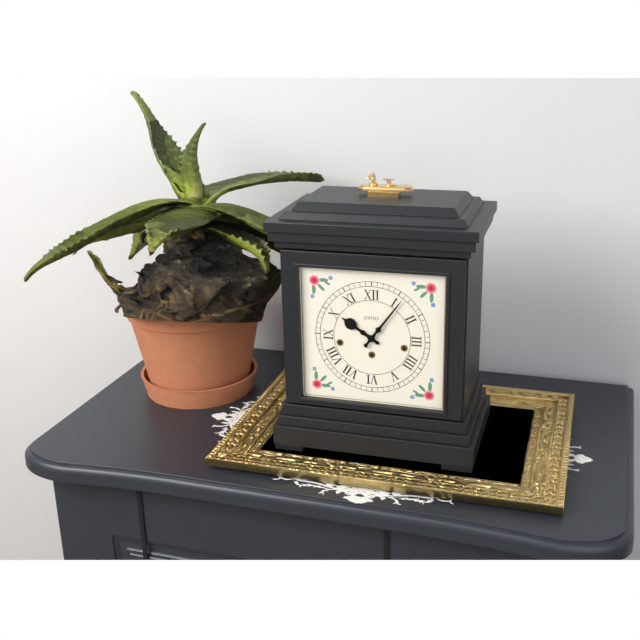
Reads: 10 h 06 min
